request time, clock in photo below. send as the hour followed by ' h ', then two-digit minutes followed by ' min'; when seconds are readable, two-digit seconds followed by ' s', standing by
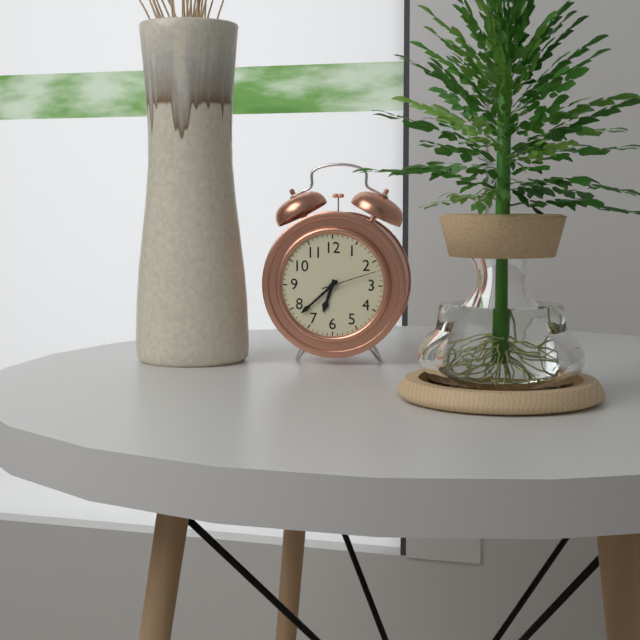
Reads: 6 h 38 min 12 s
